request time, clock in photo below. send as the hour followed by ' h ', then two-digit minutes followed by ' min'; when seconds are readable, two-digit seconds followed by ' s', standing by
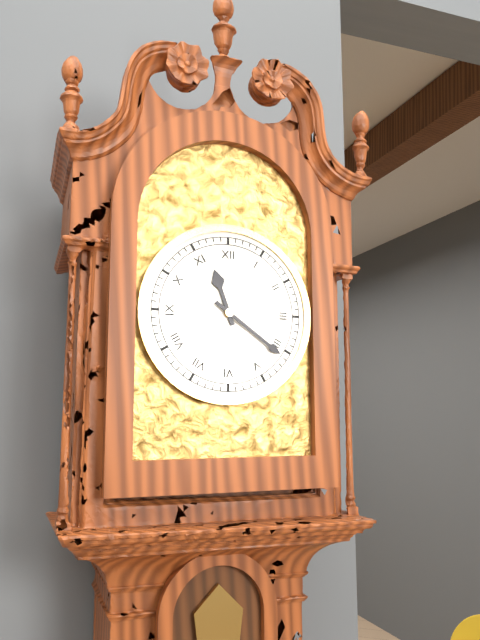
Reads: 11 h 21 min
